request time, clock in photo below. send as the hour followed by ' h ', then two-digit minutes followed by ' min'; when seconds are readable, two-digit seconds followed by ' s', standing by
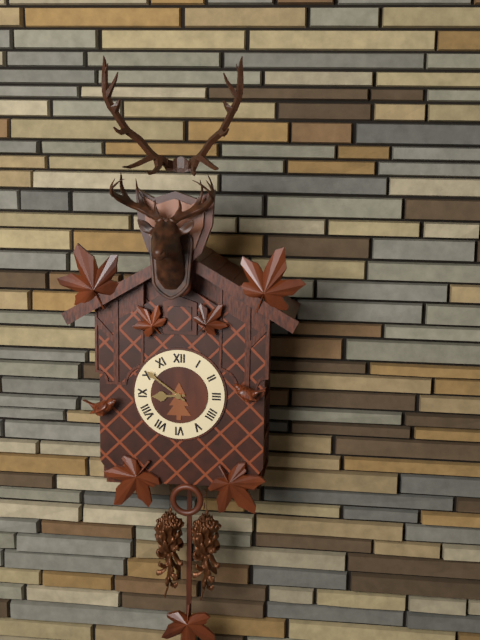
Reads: 8 h 51 min
